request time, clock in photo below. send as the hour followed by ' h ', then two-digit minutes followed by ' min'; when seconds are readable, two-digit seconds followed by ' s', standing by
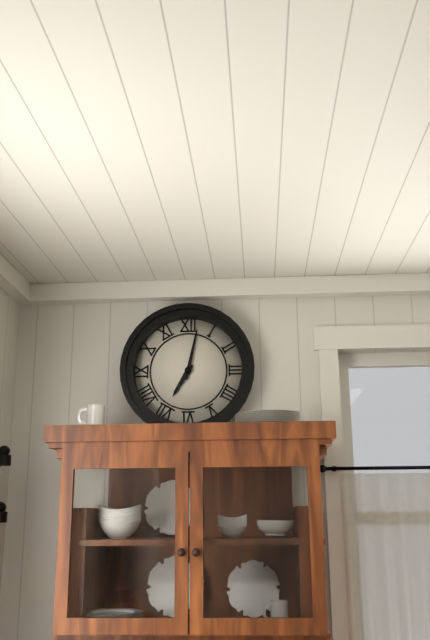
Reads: 7 h 02 min
